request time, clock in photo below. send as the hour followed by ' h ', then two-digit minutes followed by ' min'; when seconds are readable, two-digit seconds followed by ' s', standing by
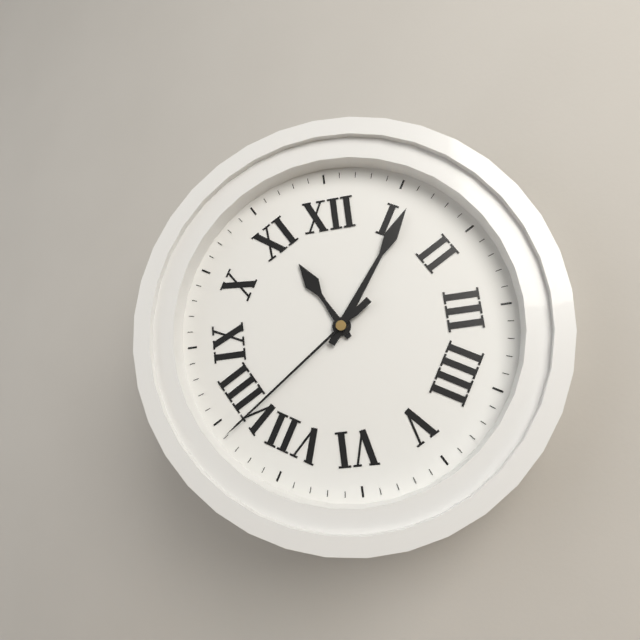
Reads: 11 h 06 min 39 s
